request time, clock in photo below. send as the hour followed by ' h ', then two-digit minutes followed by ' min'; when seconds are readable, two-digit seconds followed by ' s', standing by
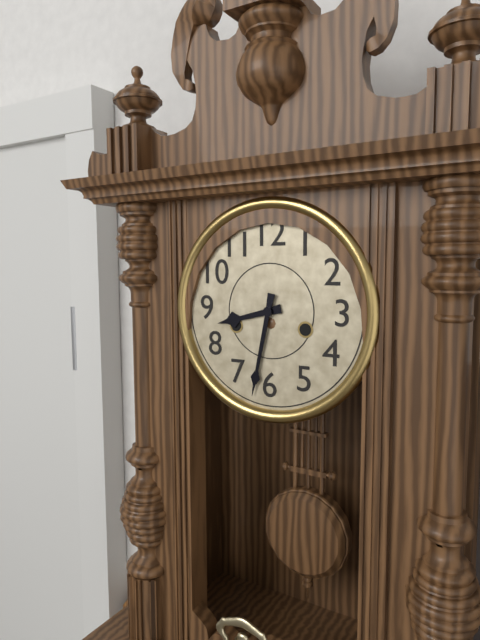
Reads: 8 h 32 min
